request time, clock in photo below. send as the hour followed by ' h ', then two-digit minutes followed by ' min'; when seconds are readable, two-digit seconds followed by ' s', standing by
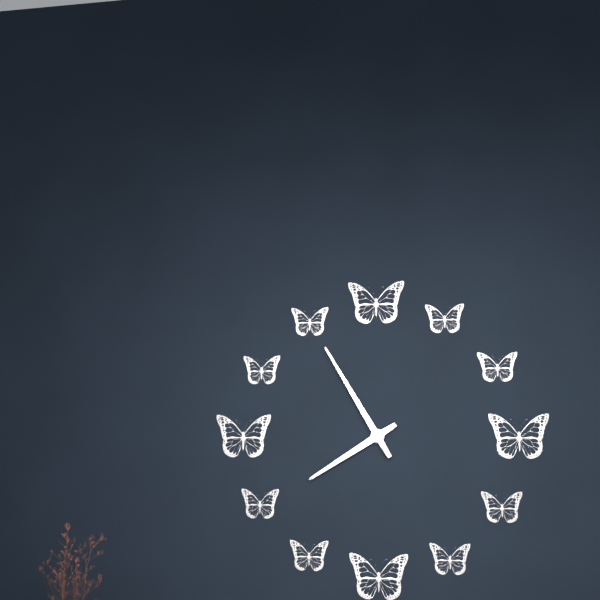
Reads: 7 h 55 min
